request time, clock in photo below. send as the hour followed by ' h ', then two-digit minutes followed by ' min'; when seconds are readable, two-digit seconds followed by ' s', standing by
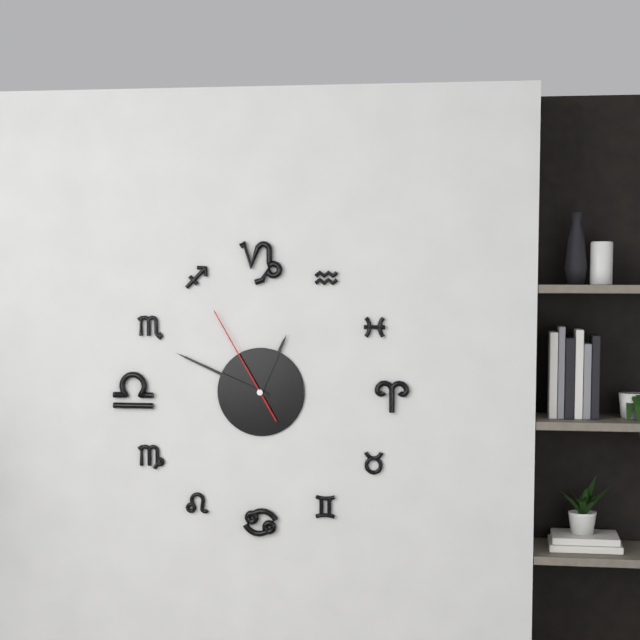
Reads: 12 h 49 min 55 s
